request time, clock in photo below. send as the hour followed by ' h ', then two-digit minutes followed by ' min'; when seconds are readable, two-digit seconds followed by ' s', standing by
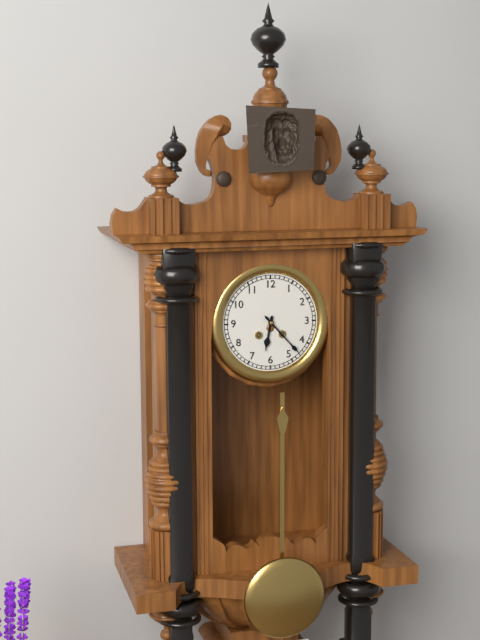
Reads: 6 h 23 min
